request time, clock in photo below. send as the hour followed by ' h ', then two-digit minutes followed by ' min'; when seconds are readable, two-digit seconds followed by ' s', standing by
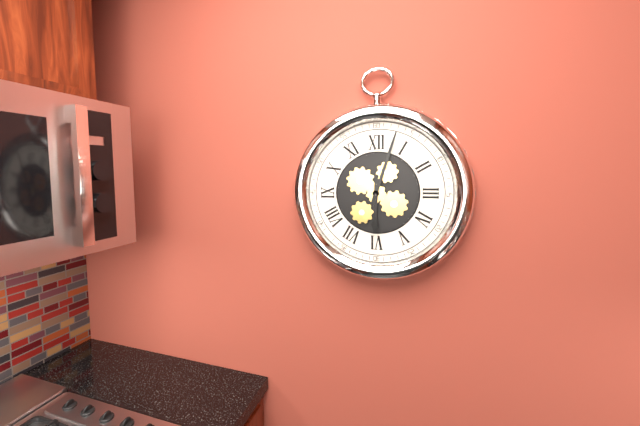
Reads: 6 h 03 min
